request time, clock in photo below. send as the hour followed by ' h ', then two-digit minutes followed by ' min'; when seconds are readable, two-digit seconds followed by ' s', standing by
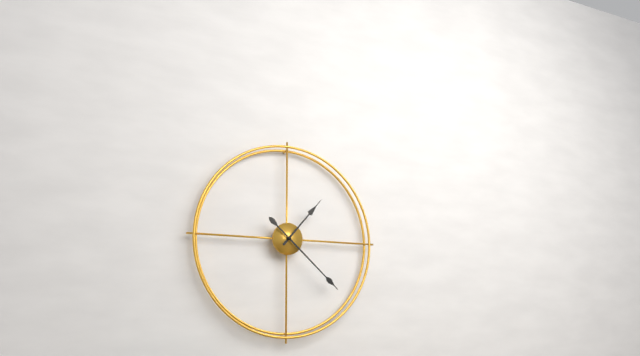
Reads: 1 h 22 min
